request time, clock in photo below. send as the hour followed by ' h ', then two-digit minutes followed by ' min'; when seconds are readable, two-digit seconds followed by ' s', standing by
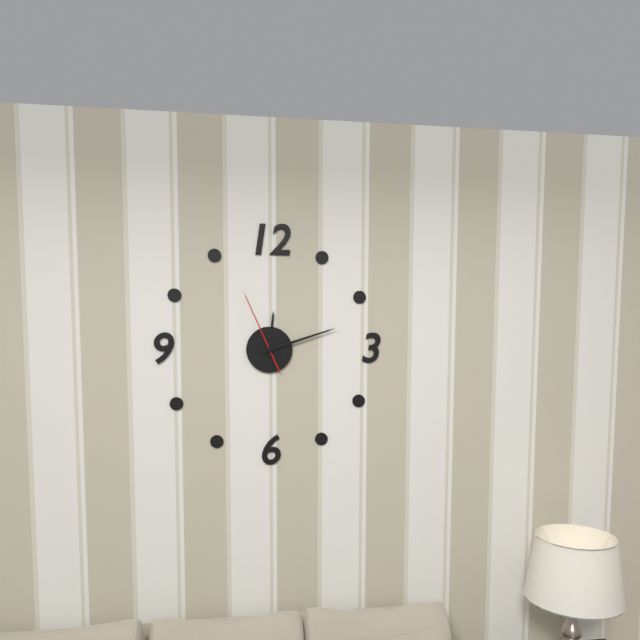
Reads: 12 h 12 min 56 s
